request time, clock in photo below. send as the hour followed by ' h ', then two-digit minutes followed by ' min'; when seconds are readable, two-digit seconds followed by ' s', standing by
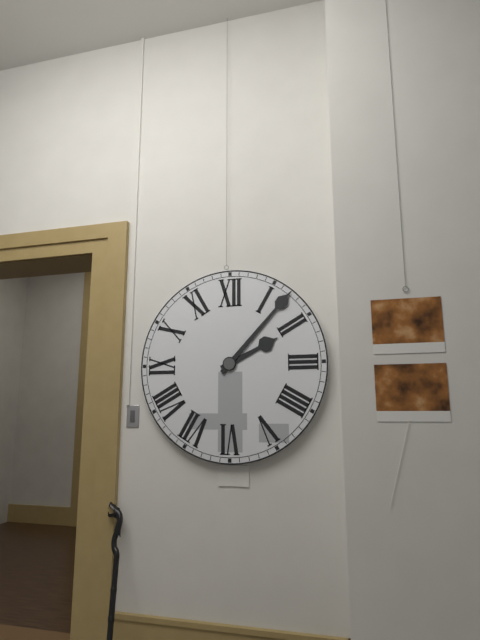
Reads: 2 h 07 min
